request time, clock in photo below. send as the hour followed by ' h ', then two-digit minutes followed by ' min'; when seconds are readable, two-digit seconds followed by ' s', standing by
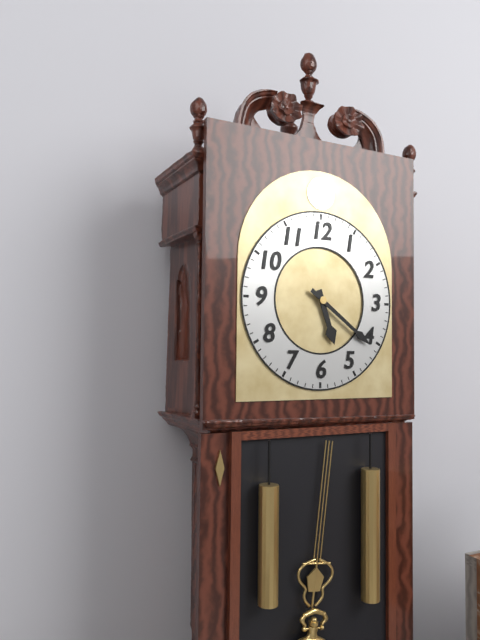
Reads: 5 h 21 min
